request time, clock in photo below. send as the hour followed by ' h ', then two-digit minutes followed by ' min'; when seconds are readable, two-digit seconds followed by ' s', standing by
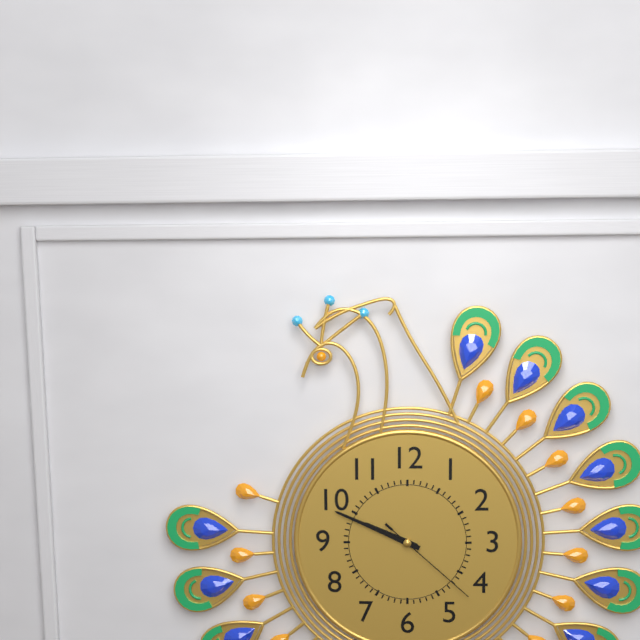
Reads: 9 h 49 min 22 s
